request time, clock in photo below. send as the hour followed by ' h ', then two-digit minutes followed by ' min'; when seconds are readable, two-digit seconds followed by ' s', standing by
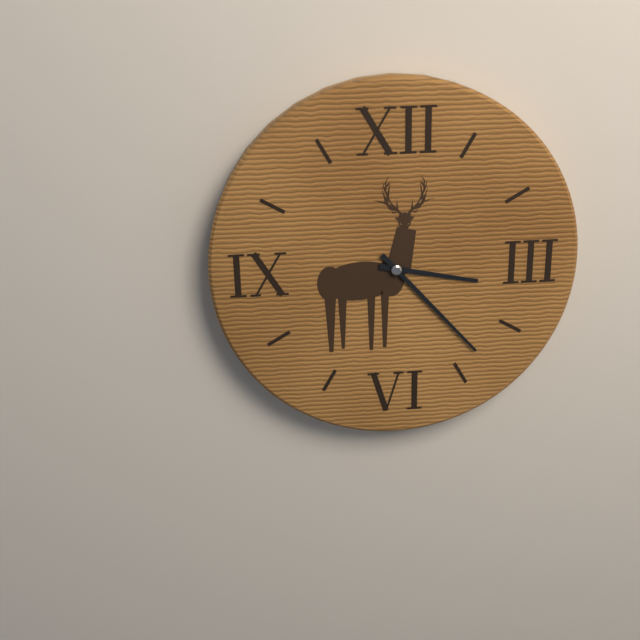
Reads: 3 h 23 min
